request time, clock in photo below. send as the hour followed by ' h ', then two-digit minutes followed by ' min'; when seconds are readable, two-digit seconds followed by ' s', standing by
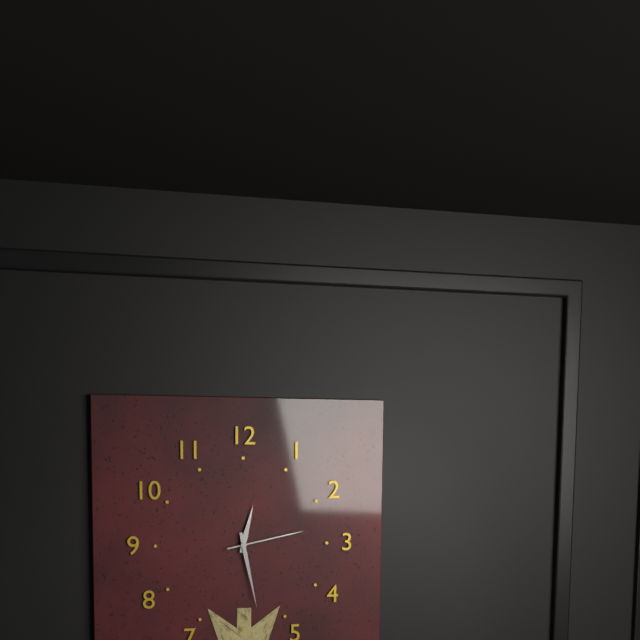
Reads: 12 h 28 min 13 s
